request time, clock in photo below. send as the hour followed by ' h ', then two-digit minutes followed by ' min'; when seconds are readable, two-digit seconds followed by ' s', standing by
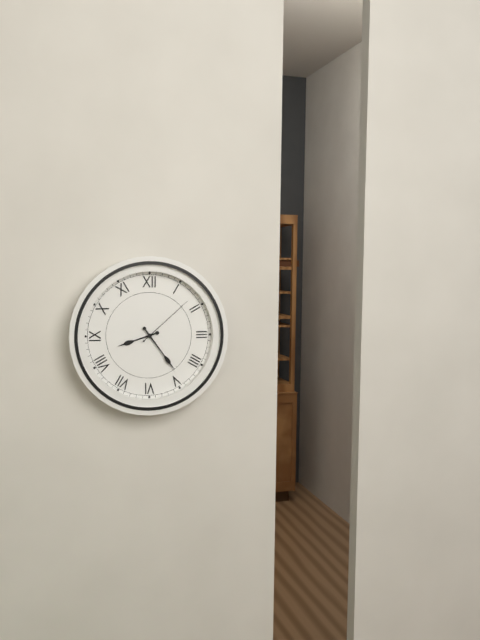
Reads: 8 h 24 min 08 s
